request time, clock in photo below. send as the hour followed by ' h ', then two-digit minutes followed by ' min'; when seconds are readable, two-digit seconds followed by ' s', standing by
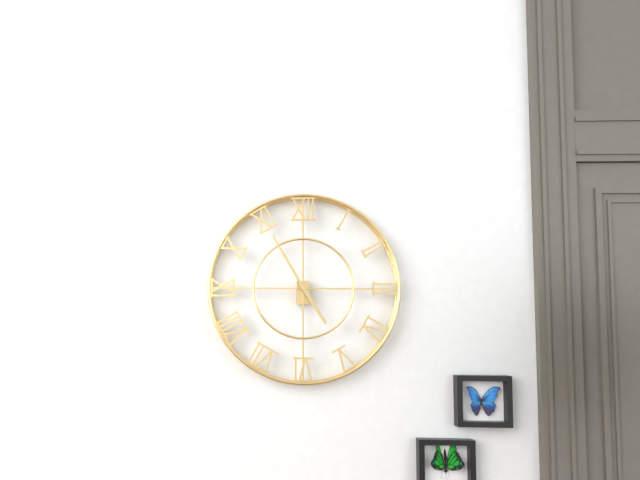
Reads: 4 h 55 min
